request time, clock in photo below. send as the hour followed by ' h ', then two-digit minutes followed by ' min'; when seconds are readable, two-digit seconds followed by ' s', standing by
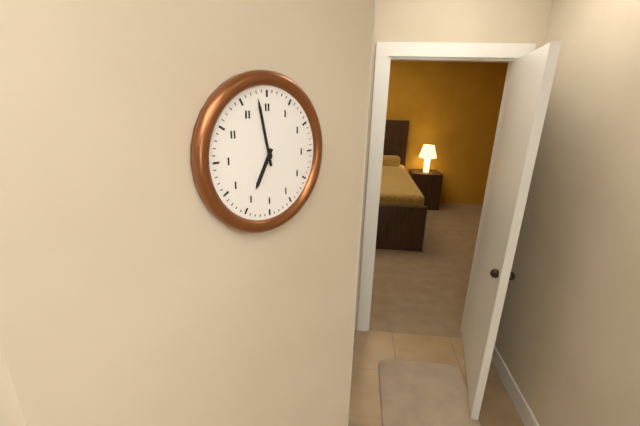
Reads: 6 h 58 min
